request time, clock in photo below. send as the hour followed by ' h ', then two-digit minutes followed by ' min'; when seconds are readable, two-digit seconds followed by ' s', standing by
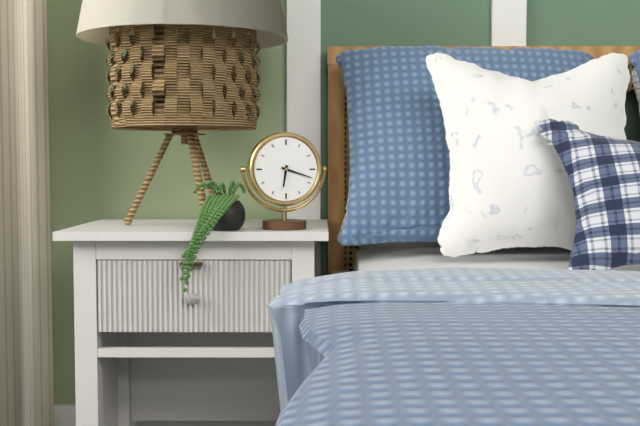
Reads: 6 h 18 min
